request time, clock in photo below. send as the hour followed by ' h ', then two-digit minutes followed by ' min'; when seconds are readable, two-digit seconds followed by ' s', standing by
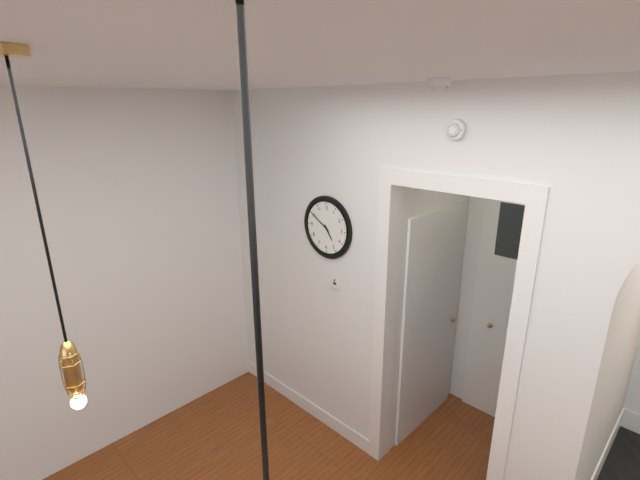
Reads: 4 h 50 min
